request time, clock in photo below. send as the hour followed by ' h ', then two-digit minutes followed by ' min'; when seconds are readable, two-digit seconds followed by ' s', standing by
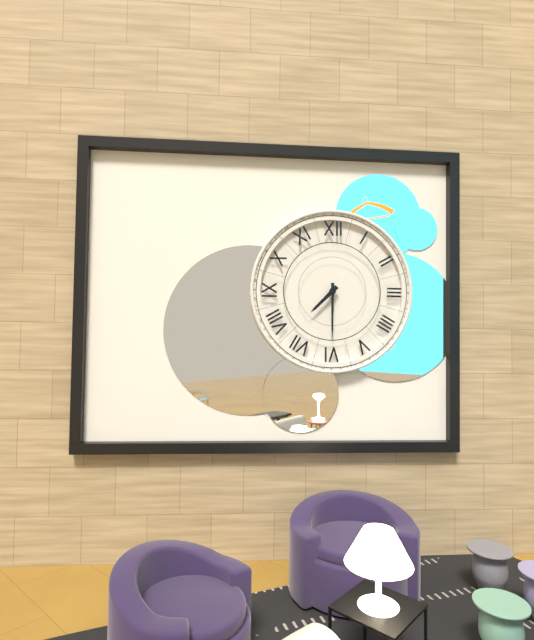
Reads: 7 h 30 min
